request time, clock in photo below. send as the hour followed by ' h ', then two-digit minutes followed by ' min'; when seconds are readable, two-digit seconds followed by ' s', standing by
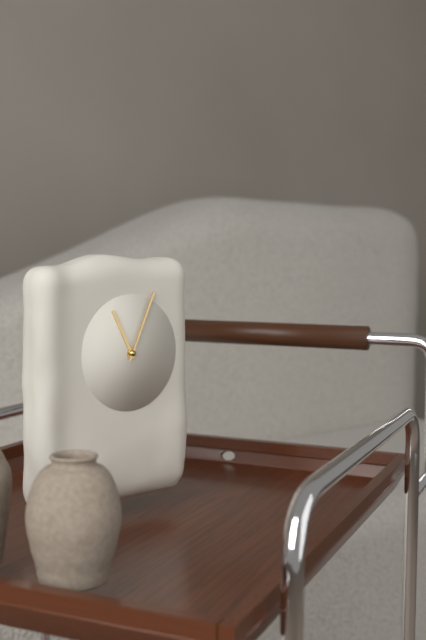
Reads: 11 h 04 min
